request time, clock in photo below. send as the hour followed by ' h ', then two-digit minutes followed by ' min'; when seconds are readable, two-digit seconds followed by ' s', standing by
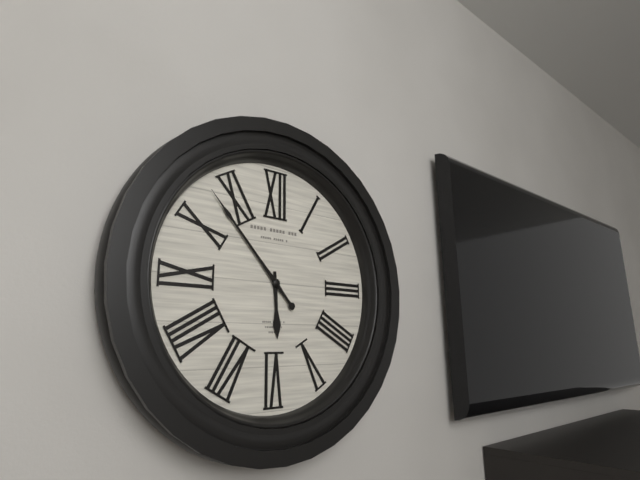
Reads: 5 h 53 min
